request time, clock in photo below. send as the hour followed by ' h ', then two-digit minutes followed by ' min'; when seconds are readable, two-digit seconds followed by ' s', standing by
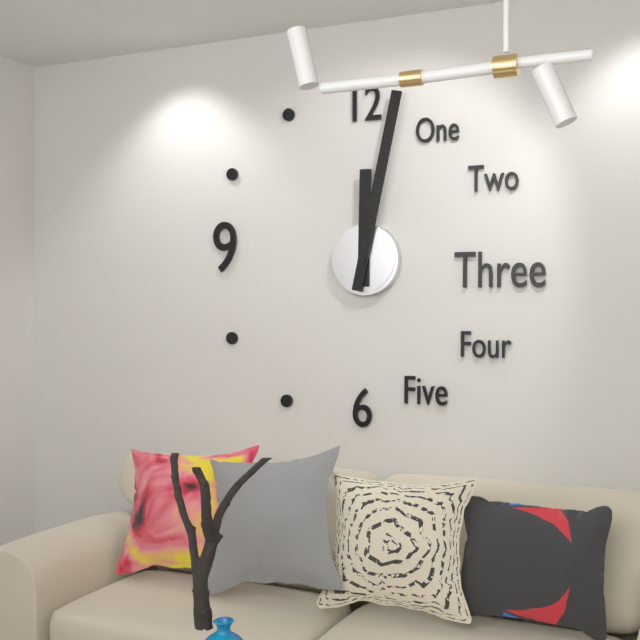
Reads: 12 h 02 min
